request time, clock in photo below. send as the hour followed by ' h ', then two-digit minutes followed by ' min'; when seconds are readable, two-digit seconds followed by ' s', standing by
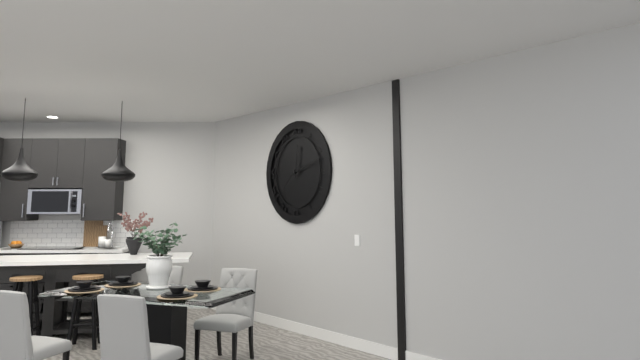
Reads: 12 h 12 min
